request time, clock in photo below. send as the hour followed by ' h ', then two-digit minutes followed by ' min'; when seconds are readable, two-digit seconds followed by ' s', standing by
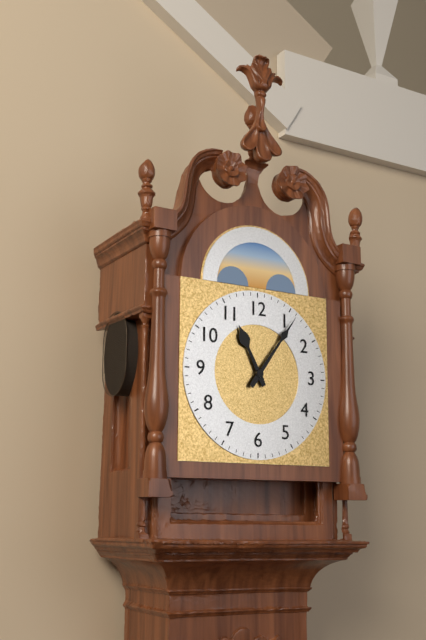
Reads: 11 h 06 min
